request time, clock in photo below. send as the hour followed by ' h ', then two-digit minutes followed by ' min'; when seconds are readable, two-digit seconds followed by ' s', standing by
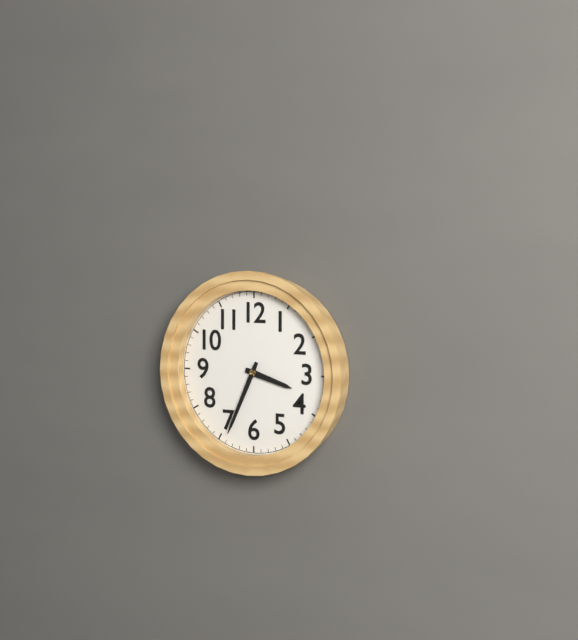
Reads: 3 h 34 min
